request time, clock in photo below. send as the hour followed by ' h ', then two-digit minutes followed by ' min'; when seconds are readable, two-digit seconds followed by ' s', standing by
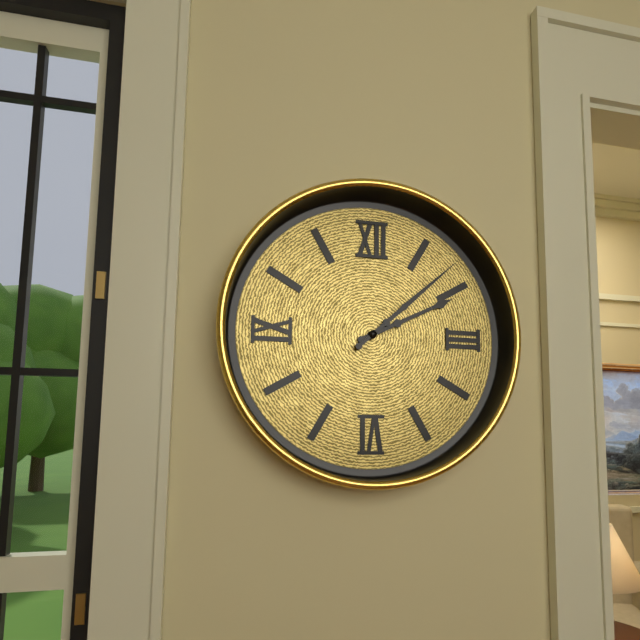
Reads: 2 h 08 min
